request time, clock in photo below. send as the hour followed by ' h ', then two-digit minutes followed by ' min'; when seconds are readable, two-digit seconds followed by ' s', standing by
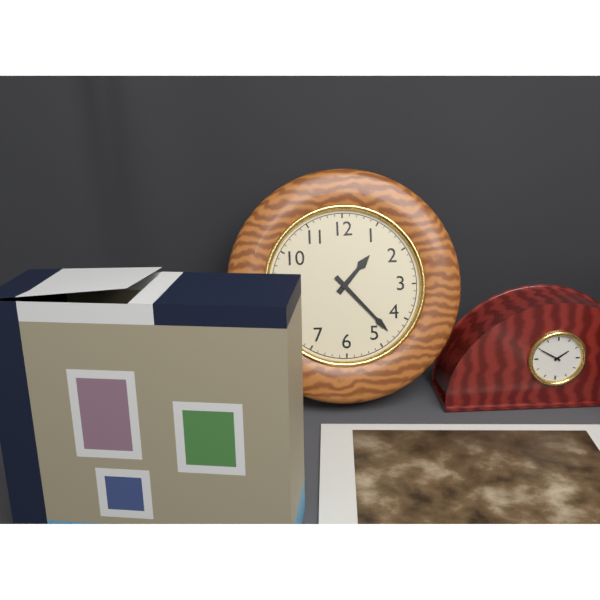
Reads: 1 h 23 min
